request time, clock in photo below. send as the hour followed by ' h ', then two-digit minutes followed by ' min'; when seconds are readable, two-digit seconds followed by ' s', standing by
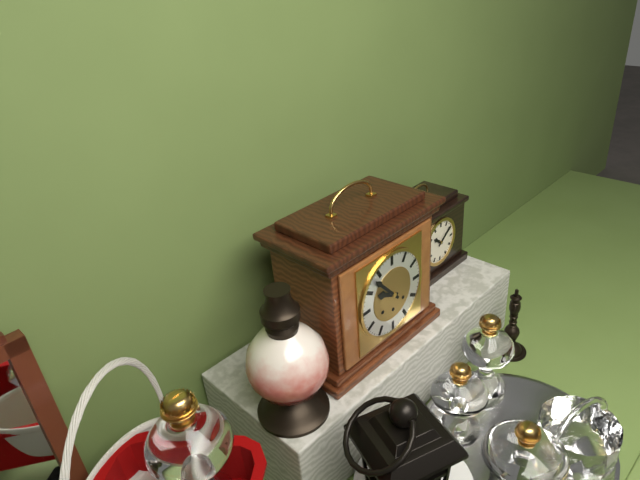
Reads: 9 h 53 min
